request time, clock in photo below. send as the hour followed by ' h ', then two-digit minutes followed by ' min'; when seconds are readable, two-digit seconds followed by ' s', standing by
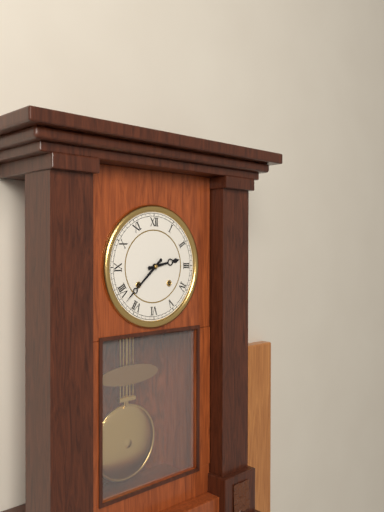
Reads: 2 h 38 min
